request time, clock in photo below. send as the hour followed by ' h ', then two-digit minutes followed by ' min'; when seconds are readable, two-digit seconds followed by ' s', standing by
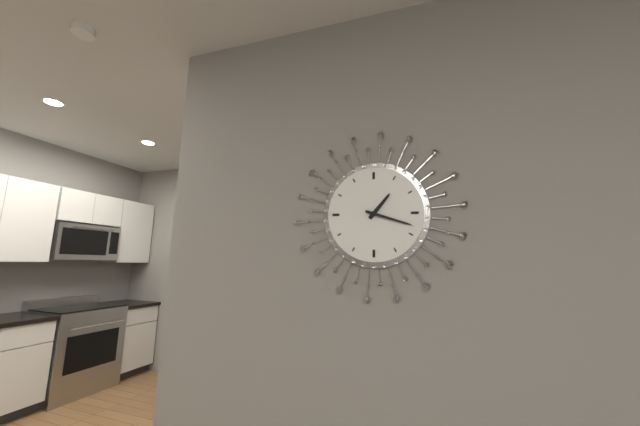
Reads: 1 h 18 min
